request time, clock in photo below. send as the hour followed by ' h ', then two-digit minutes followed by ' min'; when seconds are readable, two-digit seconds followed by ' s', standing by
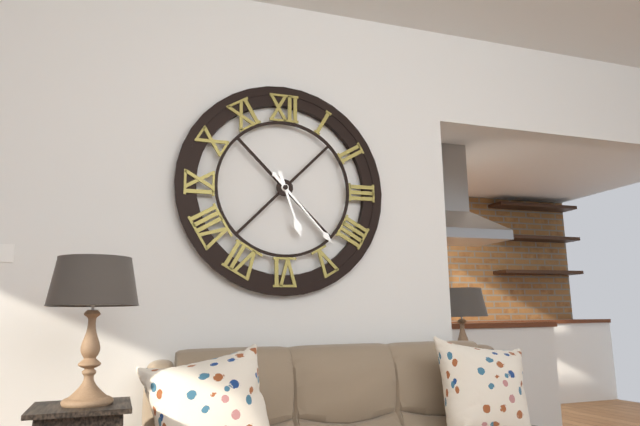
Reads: 5 h 23 min
